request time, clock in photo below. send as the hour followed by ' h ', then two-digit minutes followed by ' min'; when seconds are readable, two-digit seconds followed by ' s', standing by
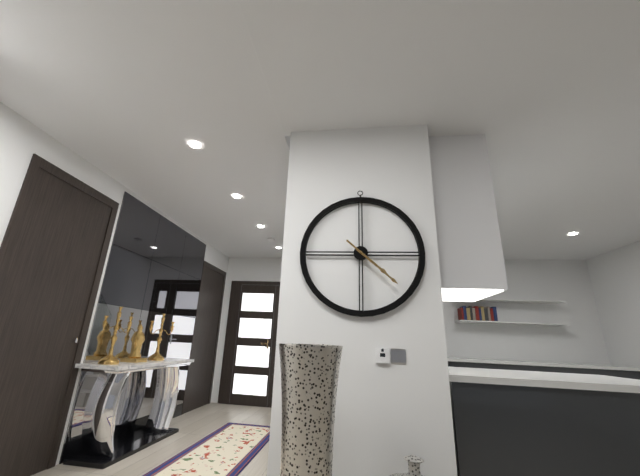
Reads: 4 h 22 min
